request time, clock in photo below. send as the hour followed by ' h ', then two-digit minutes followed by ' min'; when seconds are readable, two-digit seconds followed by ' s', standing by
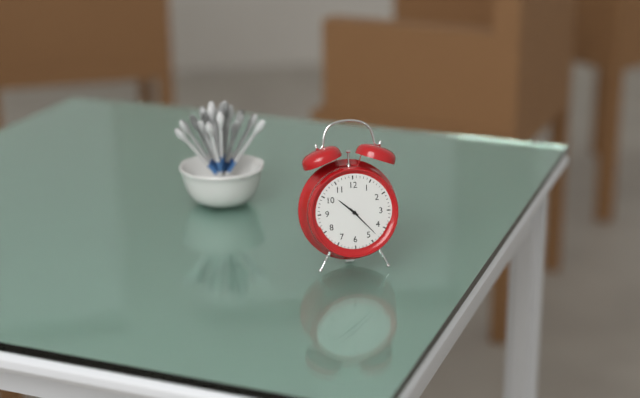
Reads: 10 h 23 min
